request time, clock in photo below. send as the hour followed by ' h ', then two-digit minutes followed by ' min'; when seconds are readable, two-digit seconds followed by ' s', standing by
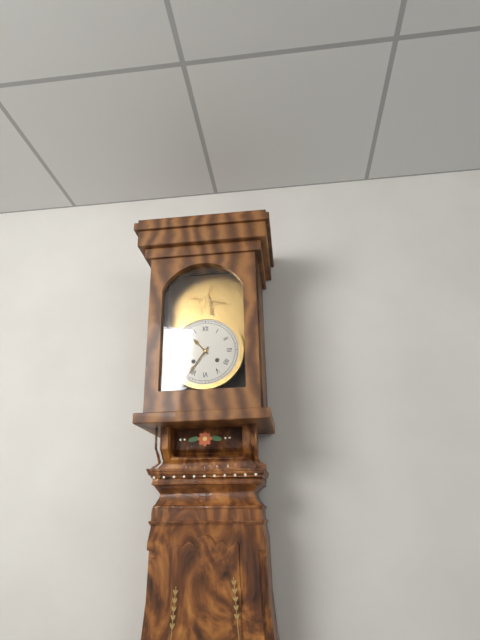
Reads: 10 h 36 min
